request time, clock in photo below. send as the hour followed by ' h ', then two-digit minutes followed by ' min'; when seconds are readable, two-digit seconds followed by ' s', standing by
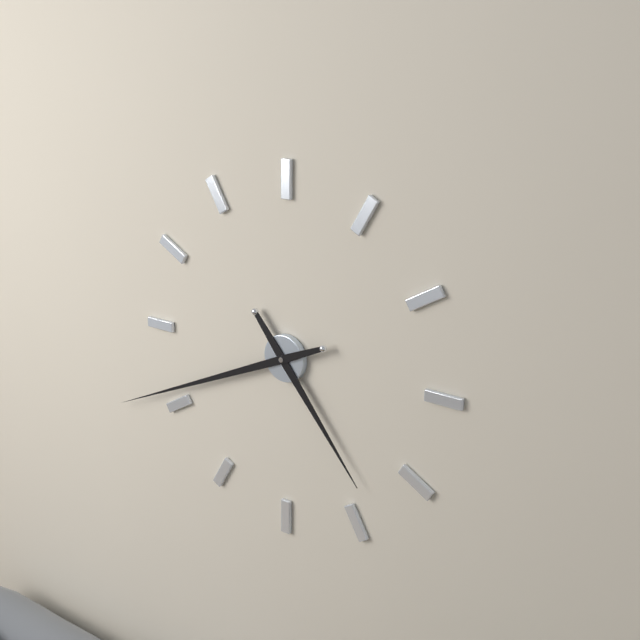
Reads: 4 h 41 min
